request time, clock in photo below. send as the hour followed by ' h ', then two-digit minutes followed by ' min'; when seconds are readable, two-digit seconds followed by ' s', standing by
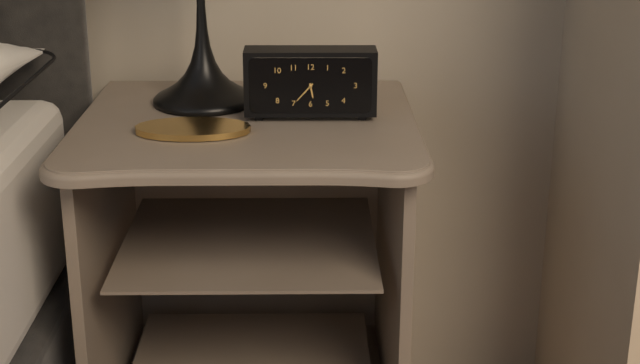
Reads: 5 h 37 min
